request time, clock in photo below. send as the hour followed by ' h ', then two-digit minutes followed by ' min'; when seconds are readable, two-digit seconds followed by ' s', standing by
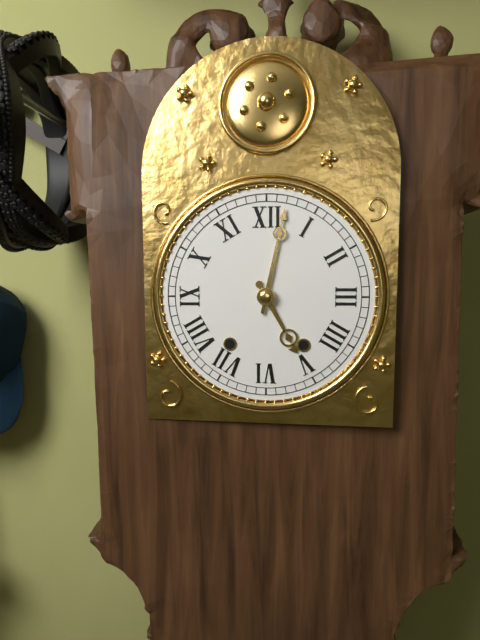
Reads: 5 h 02 min
